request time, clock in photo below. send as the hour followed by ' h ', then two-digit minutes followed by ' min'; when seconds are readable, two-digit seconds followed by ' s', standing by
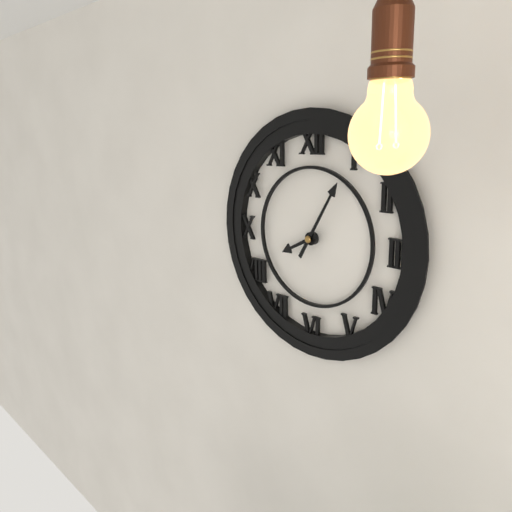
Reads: 8 h 05 min
